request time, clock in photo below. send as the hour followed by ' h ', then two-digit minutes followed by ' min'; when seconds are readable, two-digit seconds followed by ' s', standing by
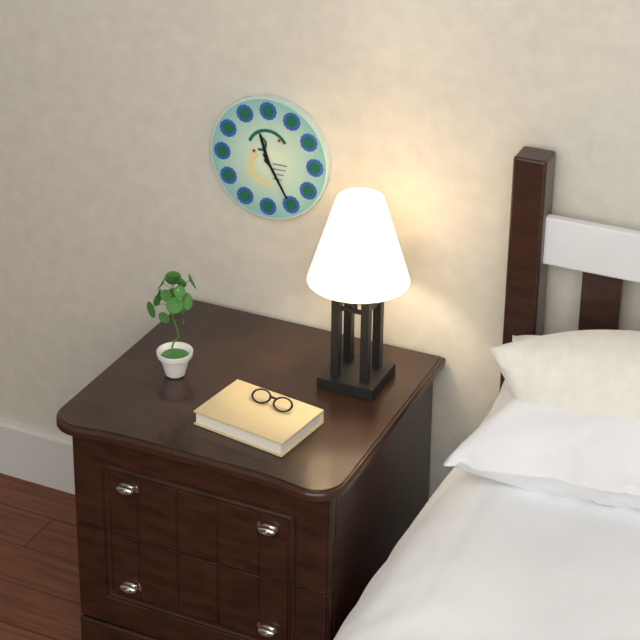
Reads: 11 h 25 min
